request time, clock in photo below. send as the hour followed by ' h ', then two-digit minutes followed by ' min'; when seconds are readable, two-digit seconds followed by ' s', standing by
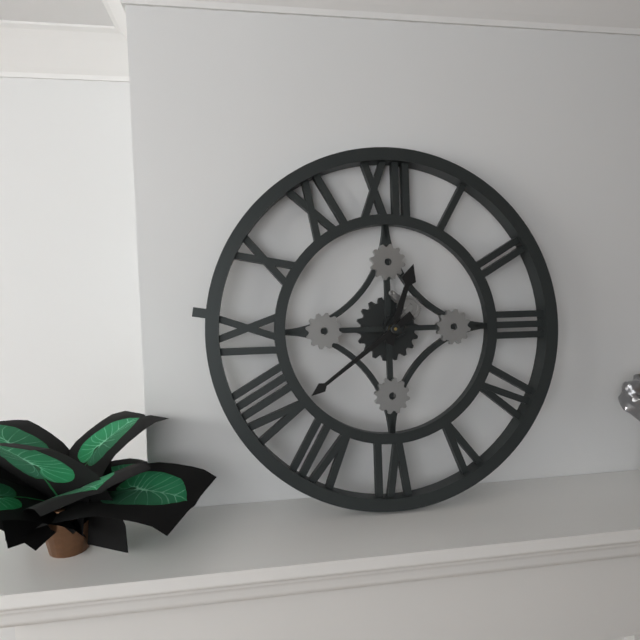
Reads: 12 h 39 min
